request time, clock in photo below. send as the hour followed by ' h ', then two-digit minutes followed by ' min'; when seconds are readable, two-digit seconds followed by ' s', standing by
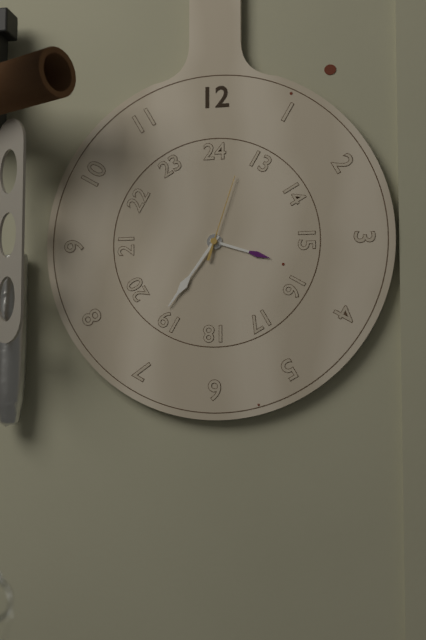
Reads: 3 h 36 min 03 s
